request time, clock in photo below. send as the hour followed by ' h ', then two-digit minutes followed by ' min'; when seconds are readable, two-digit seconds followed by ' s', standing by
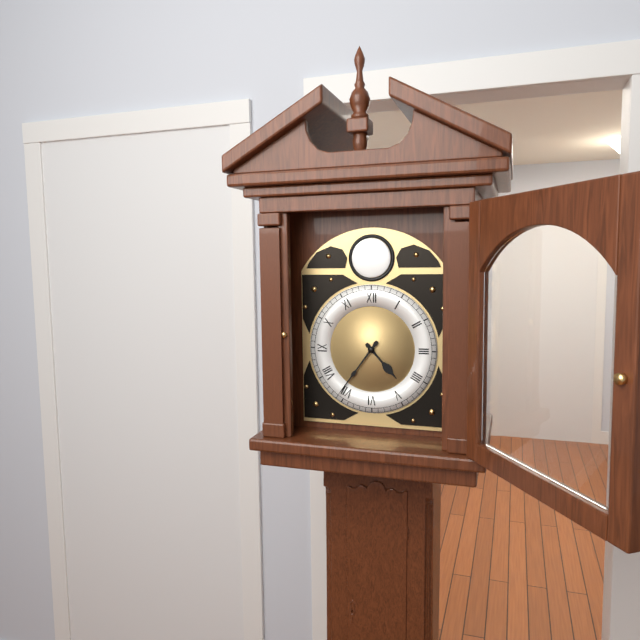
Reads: 4 h 36 min
